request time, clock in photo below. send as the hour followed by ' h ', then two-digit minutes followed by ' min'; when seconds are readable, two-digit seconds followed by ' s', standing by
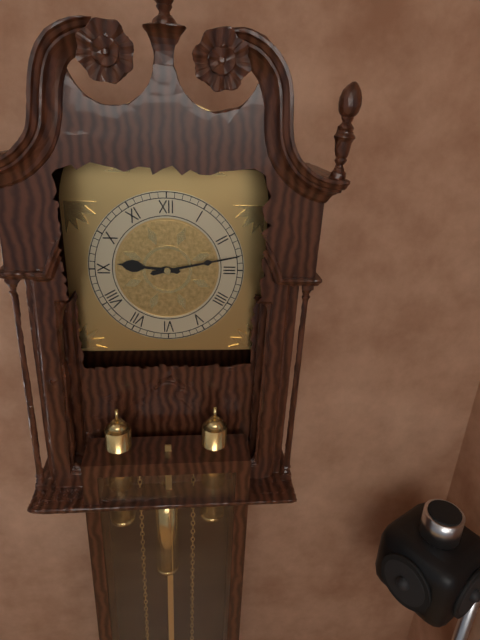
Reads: 9 h 13 min
